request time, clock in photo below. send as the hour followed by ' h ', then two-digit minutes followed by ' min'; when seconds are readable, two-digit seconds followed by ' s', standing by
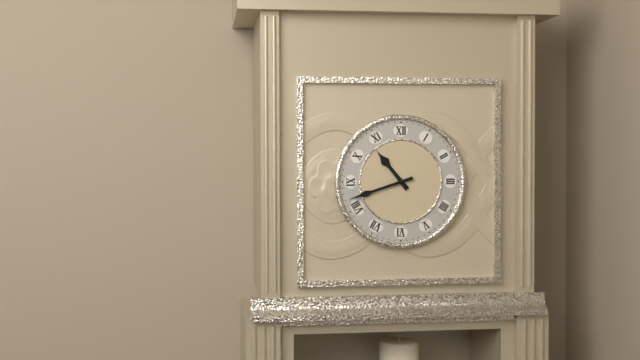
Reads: 10 h 42 min
